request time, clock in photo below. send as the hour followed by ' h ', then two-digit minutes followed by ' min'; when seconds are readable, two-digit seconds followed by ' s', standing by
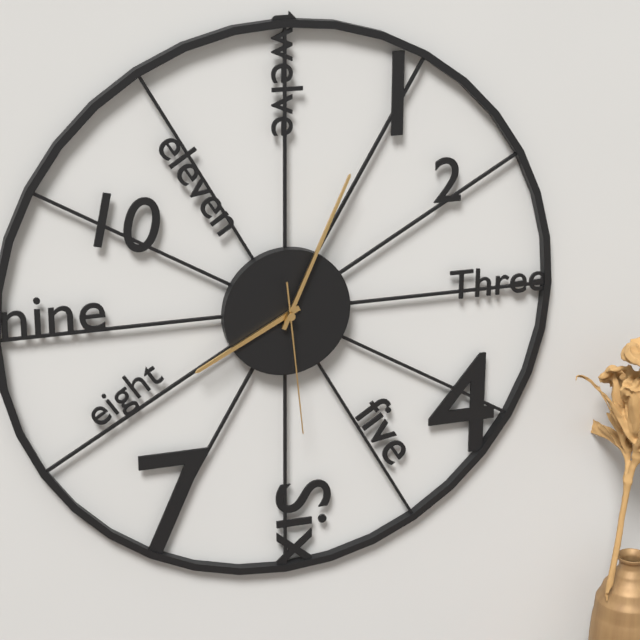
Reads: 8 h 04 min 29 s
